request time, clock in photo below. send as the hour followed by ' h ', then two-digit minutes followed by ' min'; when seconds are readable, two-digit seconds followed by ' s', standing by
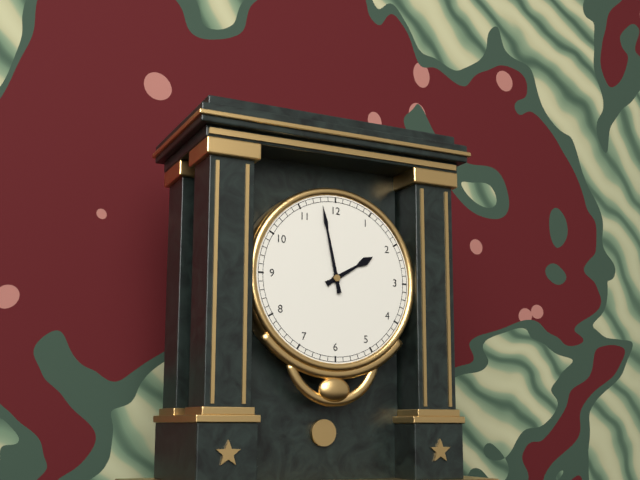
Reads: 1 h 58 min
